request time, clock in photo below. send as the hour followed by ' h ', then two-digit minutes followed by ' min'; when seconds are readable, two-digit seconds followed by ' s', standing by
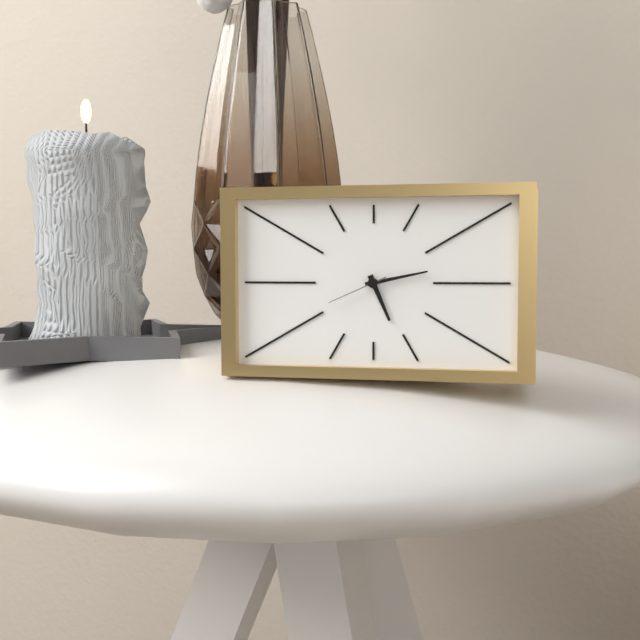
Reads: 5 h 13 min 41 s
